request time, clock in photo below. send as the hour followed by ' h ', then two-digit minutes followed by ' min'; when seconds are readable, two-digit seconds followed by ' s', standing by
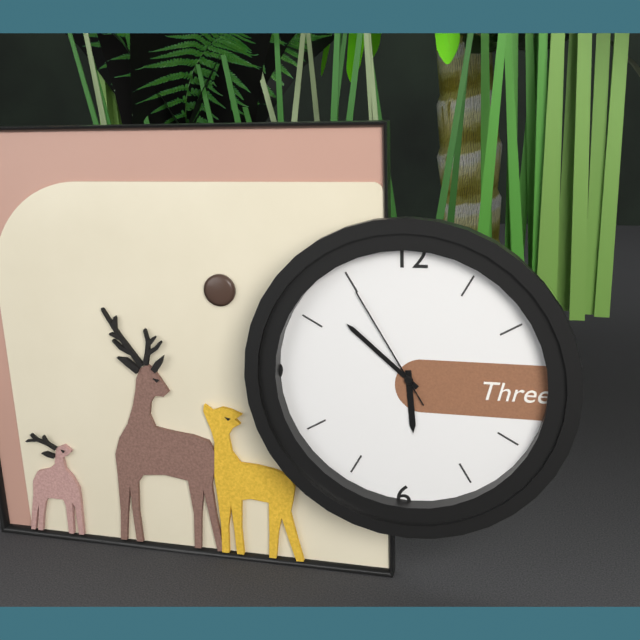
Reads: 5 h 52 min 55 s
